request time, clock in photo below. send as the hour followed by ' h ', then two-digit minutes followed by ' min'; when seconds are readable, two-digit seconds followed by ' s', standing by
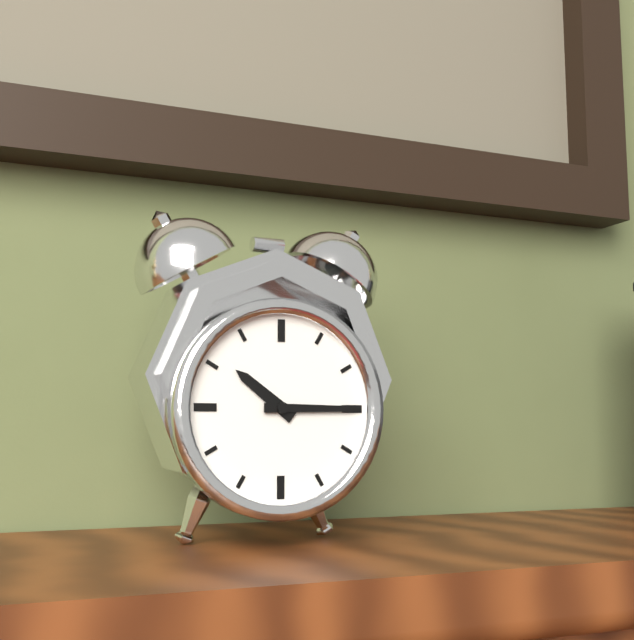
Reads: 10 h 15 min
